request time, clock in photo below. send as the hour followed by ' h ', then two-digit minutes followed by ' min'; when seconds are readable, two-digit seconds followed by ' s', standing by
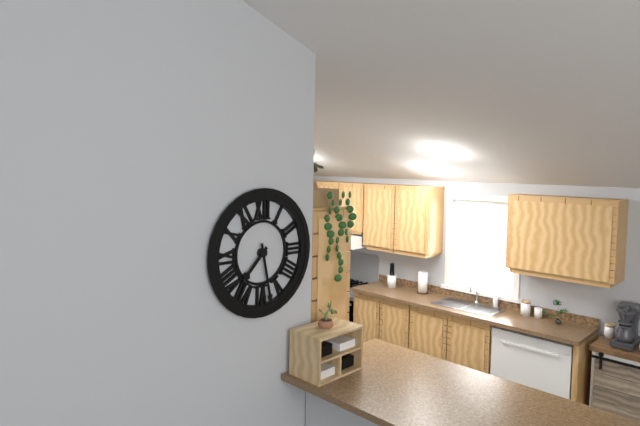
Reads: 7 h 28 min
